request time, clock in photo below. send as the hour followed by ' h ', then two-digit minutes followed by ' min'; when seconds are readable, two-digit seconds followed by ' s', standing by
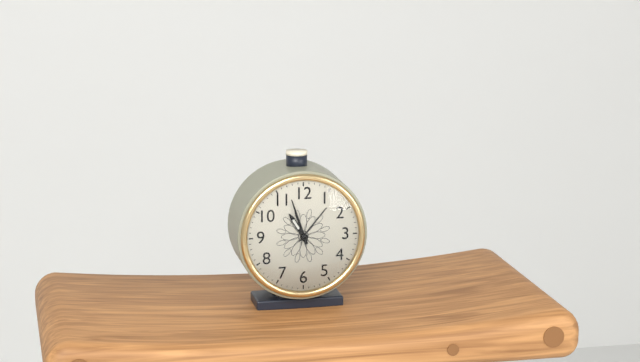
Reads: 10 h 57 min
